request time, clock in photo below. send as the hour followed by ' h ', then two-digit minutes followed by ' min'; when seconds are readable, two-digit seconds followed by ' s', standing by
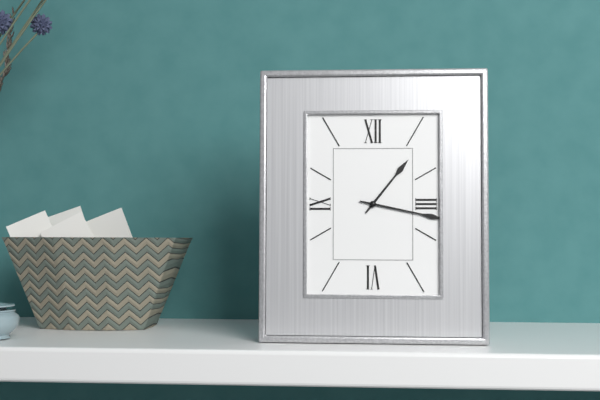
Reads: 1 h 17 min
